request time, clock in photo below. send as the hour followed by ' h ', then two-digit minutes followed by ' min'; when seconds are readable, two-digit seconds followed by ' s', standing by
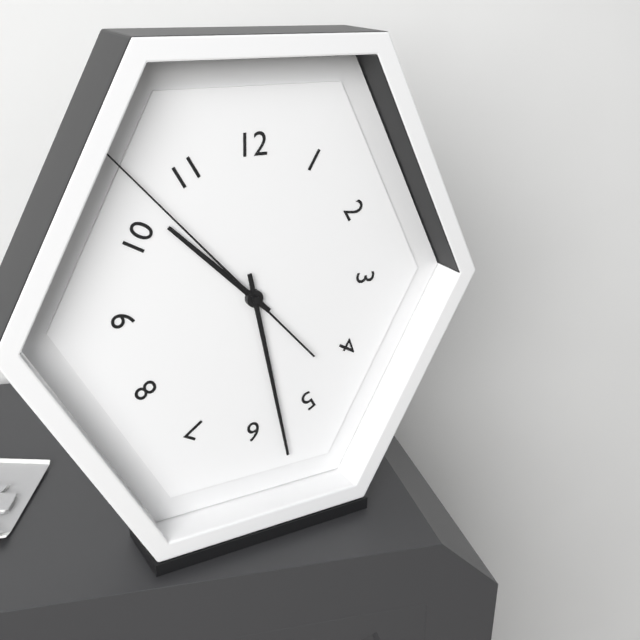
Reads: 10 h 28 min 53 s
